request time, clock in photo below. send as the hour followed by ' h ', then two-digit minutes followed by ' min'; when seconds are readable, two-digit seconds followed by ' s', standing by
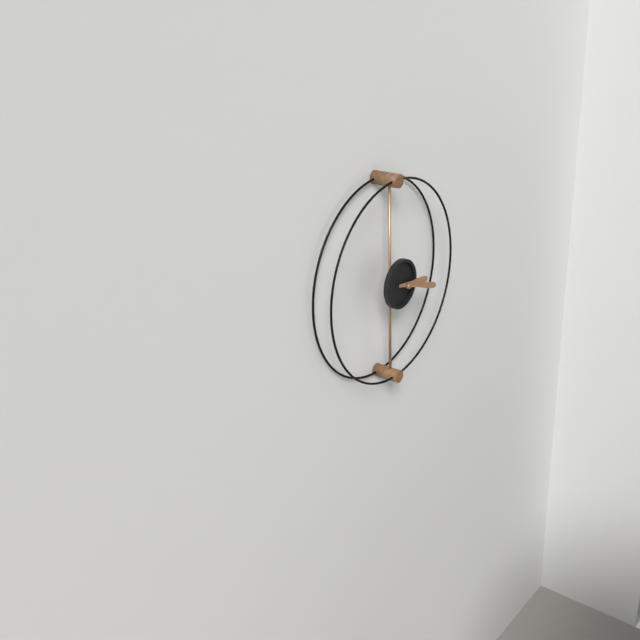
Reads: 3 h 18 min
